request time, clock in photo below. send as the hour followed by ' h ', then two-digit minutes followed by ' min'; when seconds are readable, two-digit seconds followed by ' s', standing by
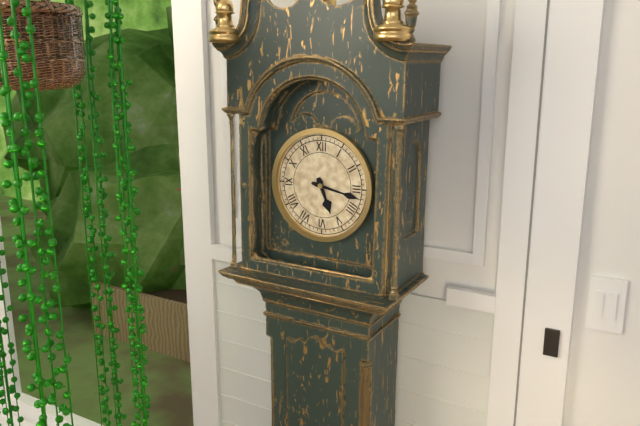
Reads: 5 h 17 min
